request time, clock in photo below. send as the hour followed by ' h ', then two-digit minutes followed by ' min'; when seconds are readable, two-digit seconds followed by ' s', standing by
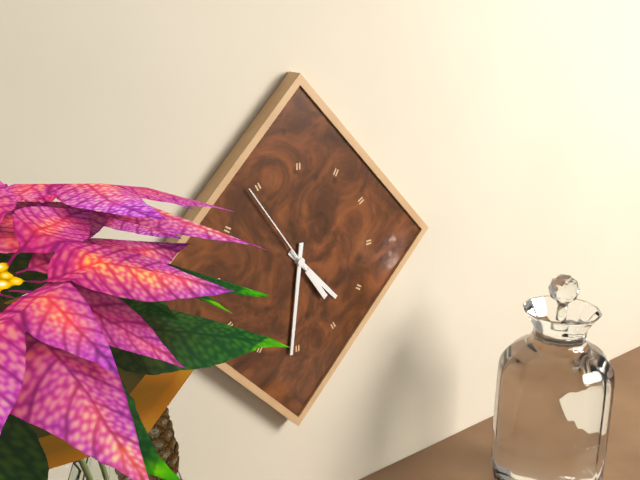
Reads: 4 h 31 min 54 s
